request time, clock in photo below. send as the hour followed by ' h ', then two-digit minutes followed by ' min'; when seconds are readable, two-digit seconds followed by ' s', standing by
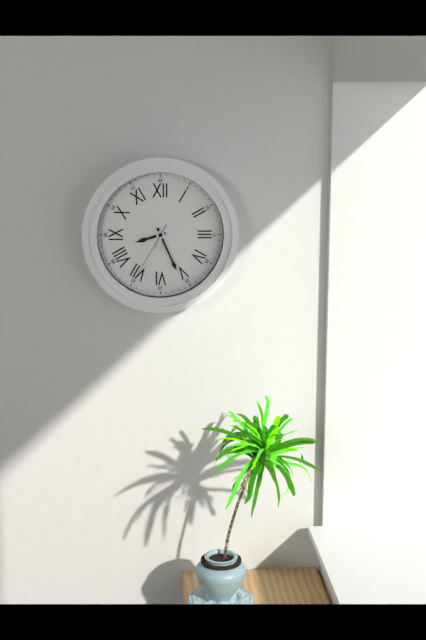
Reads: 8 h 26 min 35 s
